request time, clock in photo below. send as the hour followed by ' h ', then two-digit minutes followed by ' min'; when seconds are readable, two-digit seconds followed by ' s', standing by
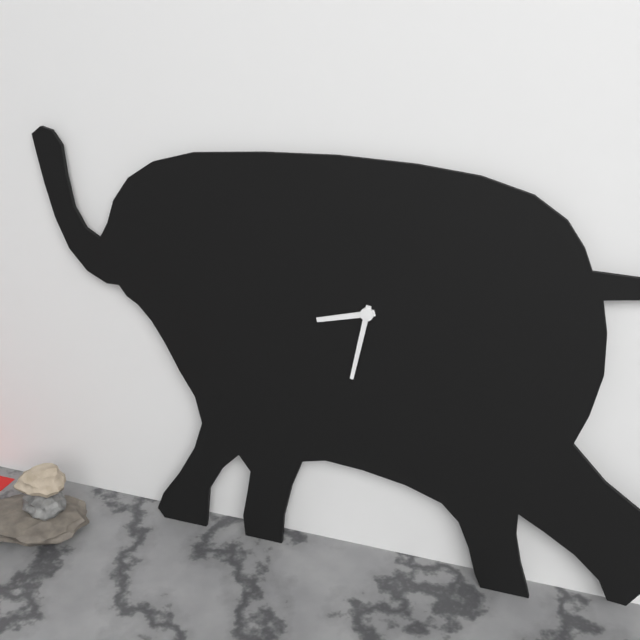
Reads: 8 h 32 min
